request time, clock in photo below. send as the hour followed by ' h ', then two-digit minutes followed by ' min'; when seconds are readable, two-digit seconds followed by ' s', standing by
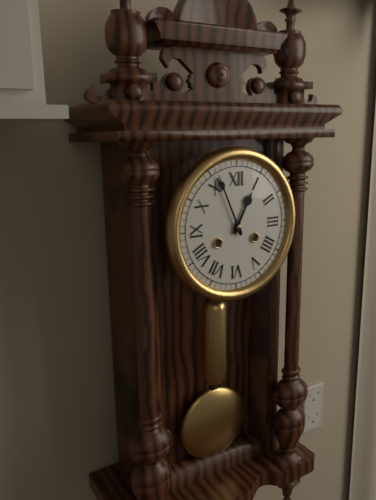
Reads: 12 h 56 min
